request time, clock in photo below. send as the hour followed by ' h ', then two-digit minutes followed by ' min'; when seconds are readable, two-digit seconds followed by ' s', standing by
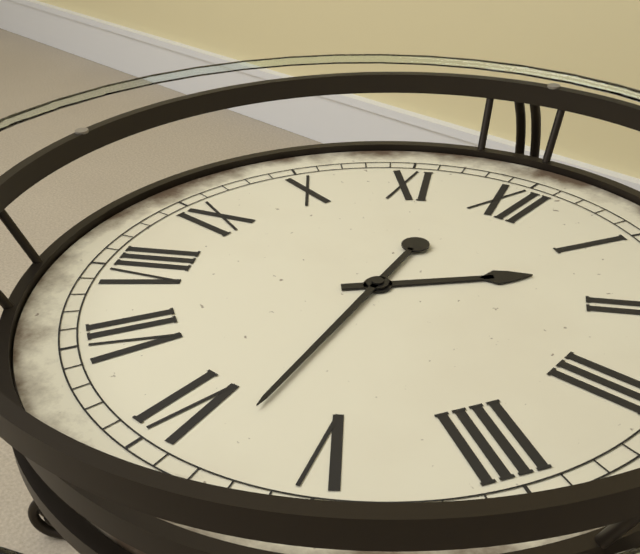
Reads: 1 h 28 min
